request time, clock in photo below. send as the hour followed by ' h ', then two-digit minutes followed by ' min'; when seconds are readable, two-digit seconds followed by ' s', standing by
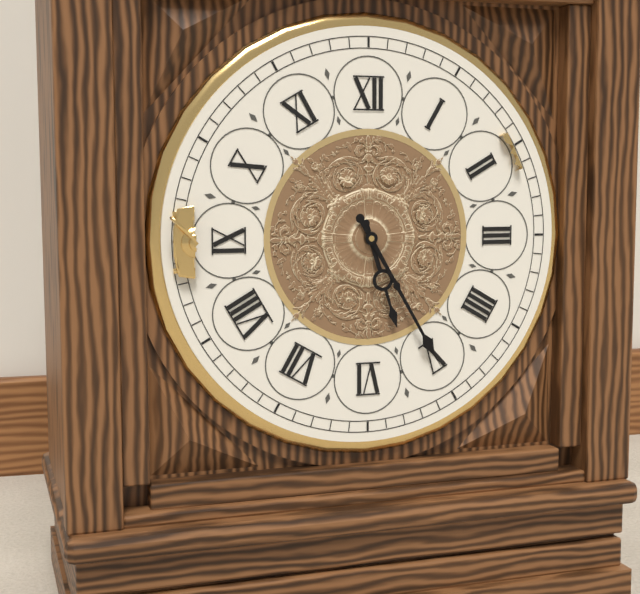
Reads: 5 h 25 min
